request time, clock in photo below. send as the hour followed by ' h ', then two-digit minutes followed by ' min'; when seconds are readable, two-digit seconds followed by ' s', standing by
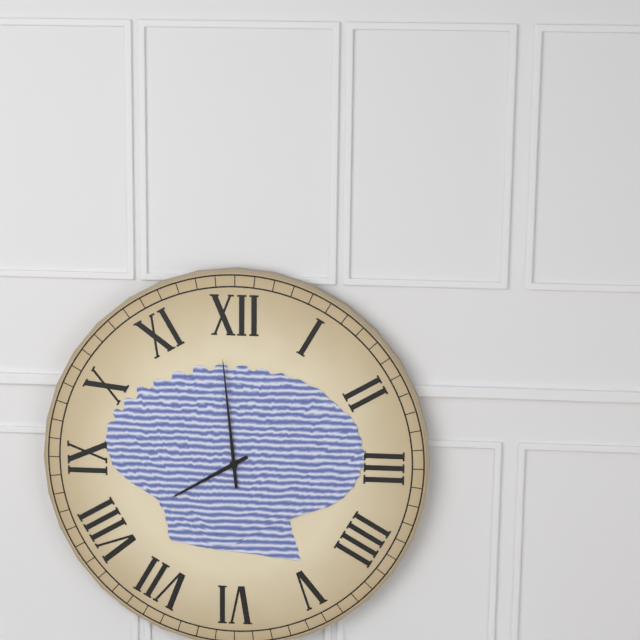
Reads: 7 h 59 min
